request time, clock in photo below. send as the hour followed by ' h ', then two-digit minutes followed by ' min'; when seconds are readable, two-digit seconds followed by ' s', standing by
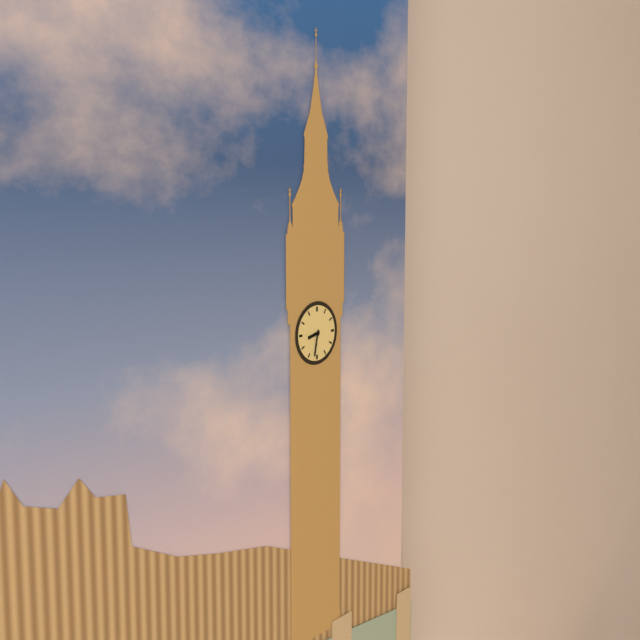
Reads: 8 h 32 min
